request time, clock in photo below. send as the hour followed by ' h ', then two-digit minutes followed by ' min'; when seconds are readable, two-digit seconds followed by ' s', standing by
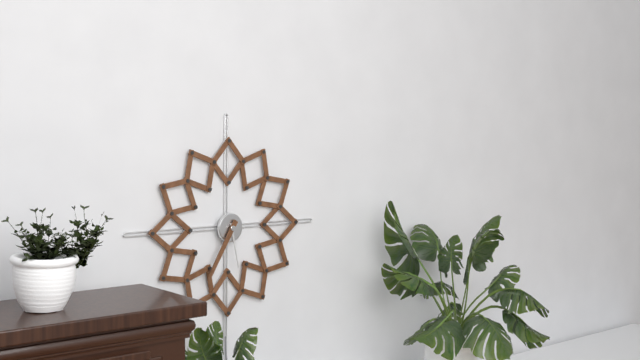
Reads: 5 h 35 min
